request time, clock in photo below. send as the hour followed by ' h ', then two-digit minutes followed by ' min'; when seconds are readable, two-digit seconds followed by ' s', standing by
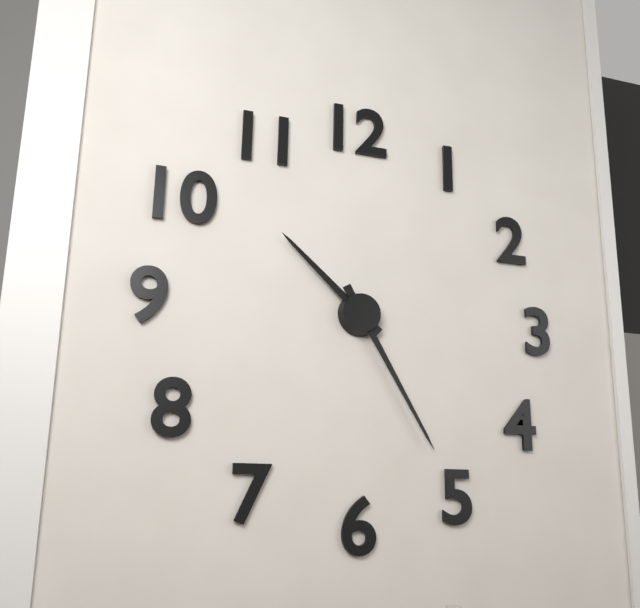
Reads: 10 h 25 min
